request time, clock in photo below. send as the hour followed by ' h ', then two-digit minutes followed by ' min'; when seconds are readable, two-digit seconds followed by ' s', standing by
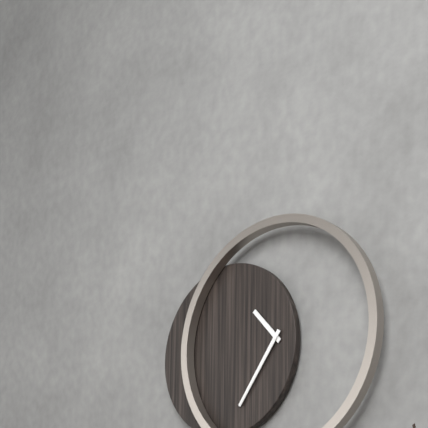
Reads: 10 h 36 min
